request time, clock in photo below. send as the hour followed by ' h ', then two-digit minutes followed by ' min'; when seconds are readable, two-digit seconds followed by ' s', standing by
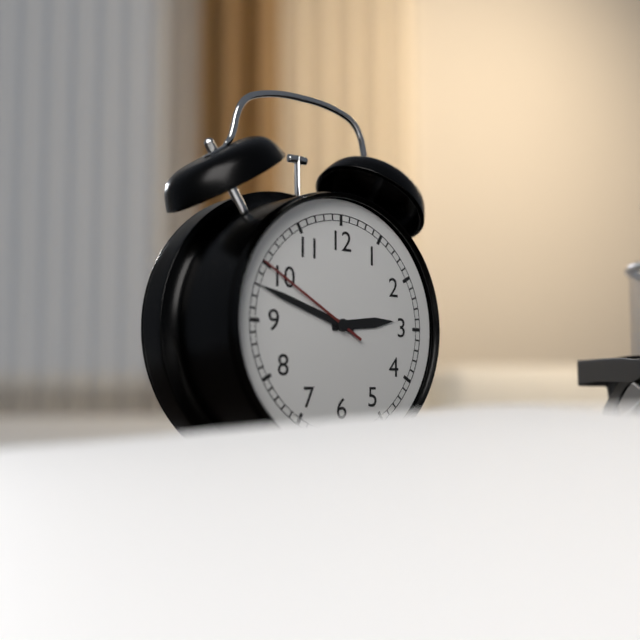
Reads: 2 h 48 min 50 s
